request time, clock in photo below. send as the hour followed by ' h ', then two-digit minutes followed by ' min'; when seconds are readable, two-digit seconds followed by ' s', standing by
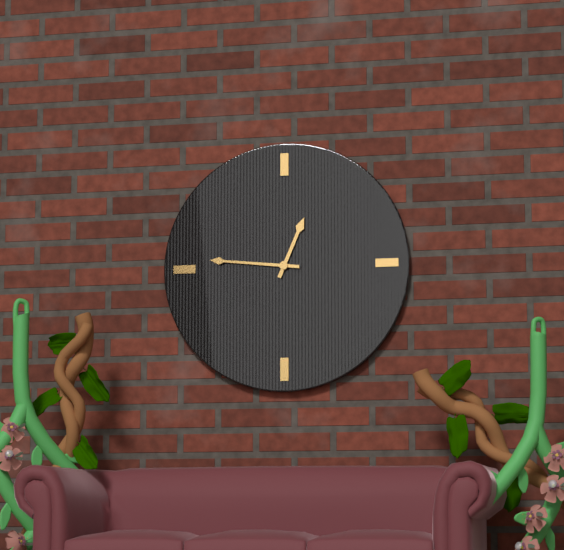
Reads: 12 h 46 min
